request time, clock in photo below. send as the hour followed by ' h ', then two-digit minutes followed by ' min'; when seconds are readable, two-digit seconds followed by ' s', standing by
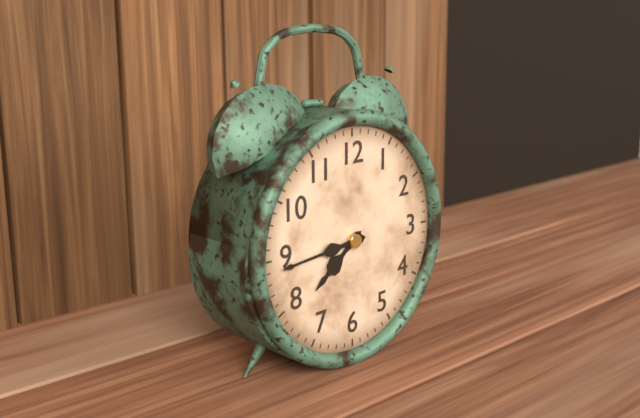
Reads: 7 h 44 min
